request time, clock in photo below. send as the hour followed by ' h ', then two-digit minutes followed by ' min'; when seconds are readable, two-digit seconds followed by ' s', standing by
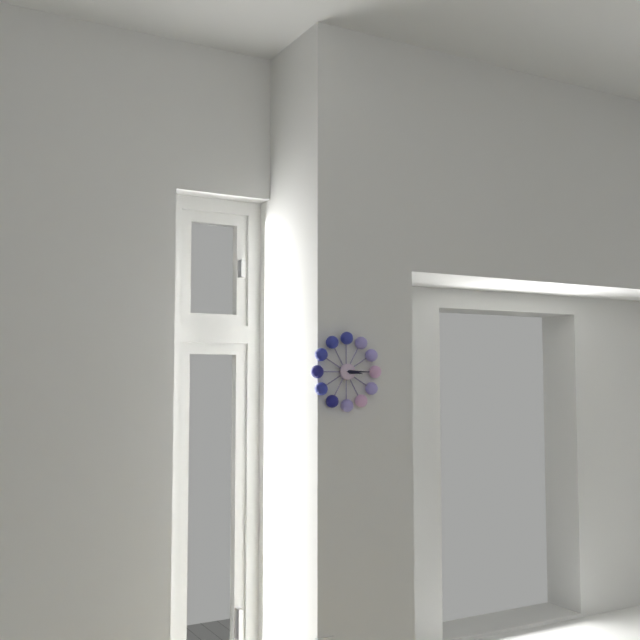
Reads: 3 h 15 min
